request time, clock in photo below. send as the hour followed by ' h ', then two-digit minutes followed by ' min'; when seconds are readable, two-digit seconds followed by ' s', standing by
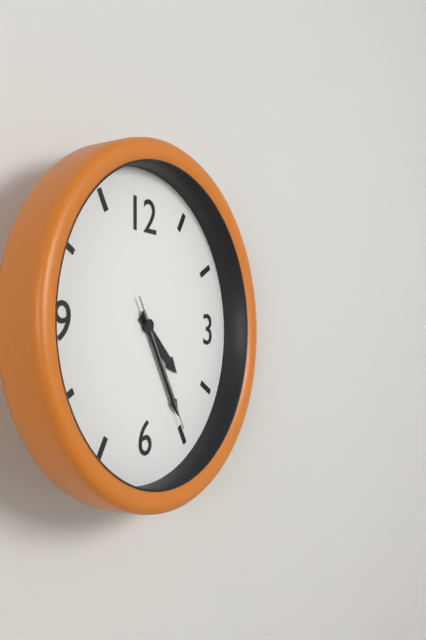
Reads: 4 h 25 min 25 s
